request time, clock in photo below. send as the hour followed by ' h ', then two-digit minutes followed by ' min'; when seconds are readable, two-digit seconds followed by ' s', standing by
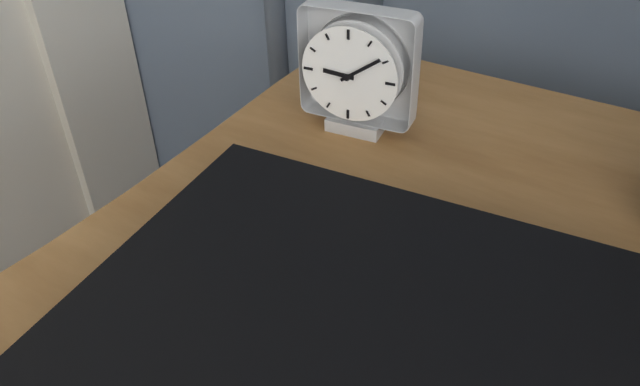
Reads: 9 h 09 min
